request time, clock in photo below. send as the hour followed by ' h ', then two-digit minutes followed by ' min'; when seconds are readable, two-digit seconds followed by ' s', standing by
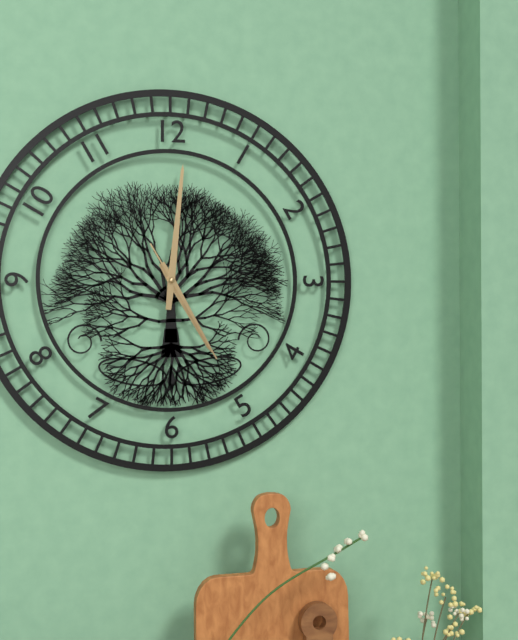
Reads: 5 h 01 min 25 s
